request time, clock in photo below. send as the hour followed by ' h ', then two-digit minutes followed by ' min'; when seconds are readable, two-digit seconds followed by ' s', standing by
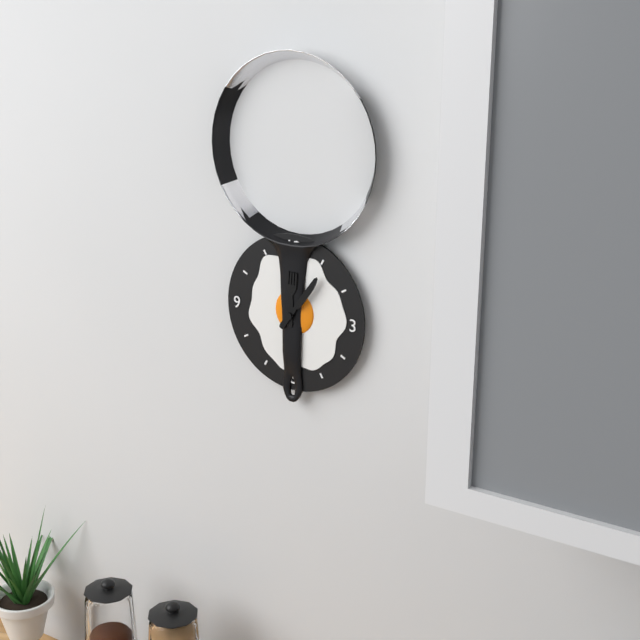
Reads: 12 h 06 min
